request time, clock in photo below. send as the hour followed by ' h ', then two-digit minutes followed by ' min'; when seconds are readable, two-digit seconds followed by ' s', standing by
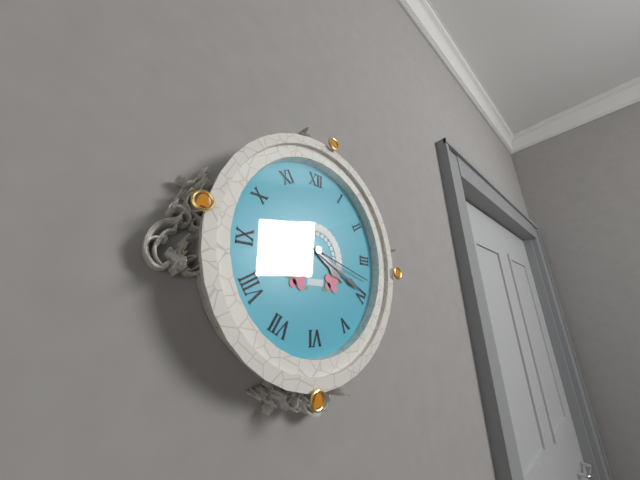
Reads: 4 h 20 min 18 s
